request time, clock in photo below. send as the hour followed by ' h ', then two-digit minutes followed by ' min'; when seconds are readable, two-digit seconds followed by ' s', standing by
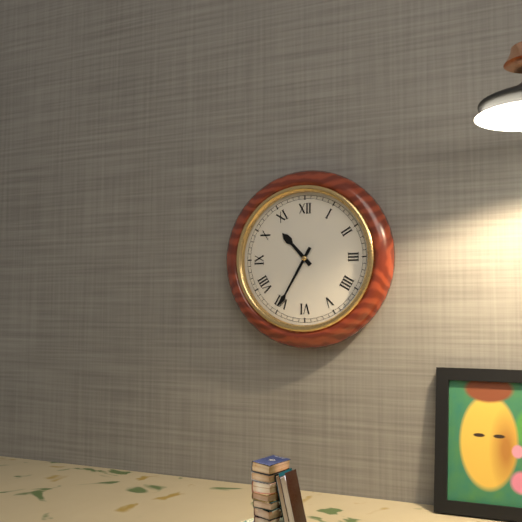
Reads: 10 h 35 min
